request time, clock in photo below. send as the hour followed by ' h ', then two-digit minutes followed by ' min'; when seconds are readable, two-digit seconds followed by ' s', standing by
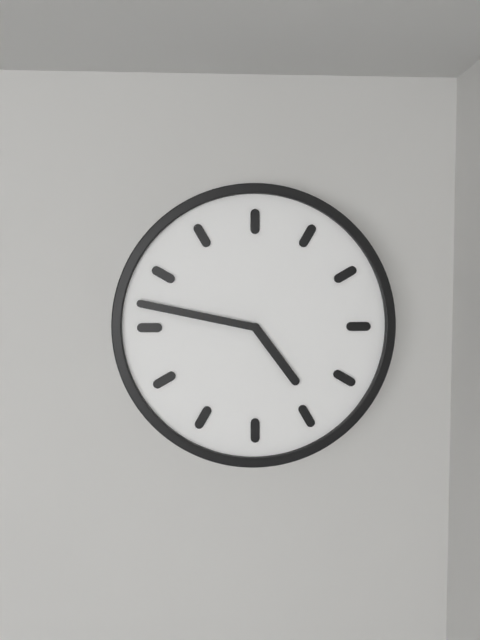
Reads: 4 h 47 min
